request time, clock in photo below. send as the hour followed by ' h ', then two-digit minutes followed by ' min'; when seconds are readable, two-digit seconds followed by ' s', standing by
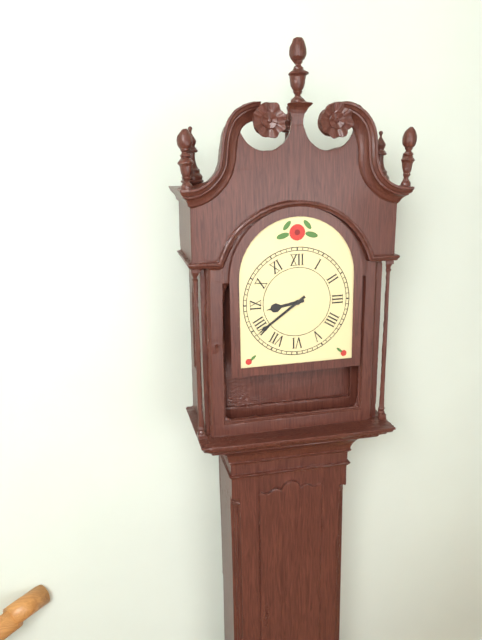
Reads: 8 h 39 min
